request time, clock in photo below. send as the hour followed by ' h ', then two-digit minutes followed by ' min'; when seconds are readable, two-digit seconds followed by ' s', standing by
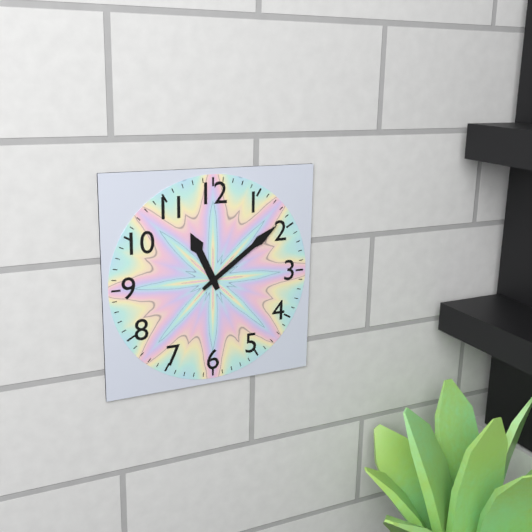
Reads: 11 h 09 min
